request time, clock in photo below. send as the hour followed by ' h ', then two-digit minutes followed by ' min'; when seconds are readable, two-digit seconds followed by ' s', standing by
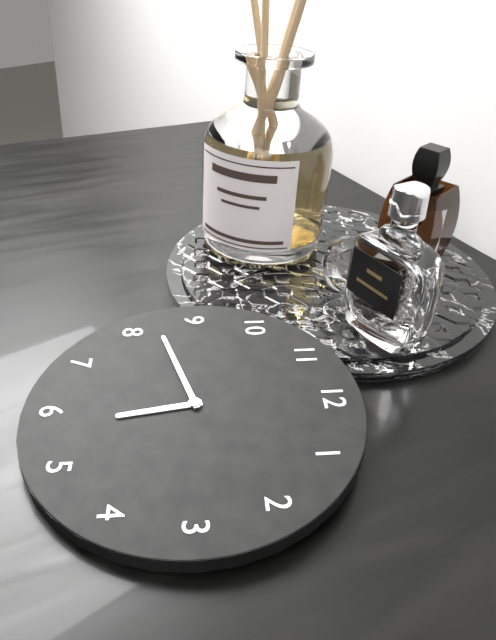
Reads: 5 h 42 min
